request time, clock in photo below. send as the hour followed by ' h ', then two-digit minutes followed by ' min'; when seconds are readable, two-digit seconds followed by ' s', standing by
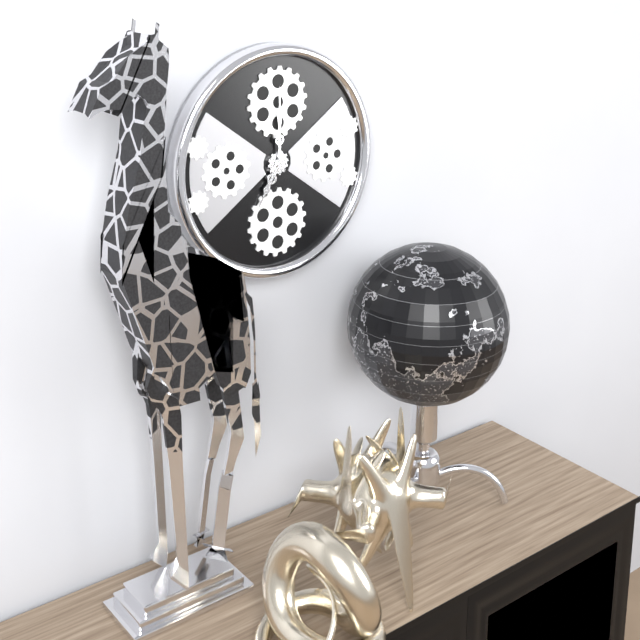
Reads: 7 h 00 min
